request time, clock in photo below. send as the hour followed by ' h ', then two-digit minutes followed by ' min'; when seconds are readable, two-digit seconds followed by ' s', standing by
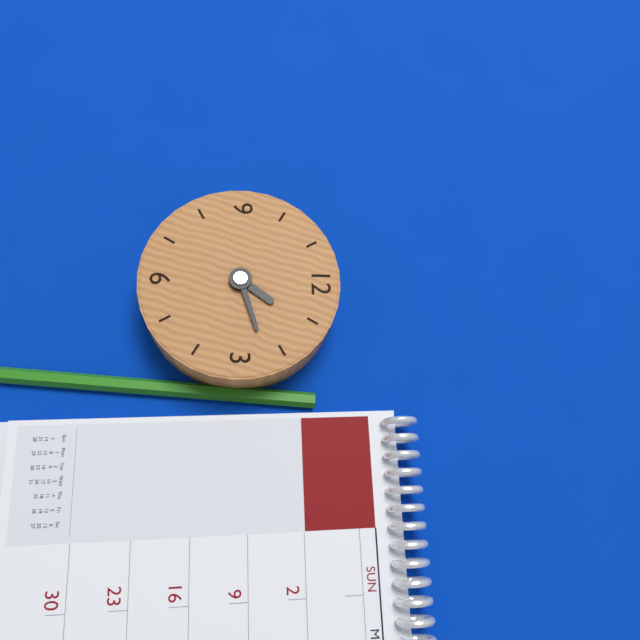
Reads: 1 h 12 min
